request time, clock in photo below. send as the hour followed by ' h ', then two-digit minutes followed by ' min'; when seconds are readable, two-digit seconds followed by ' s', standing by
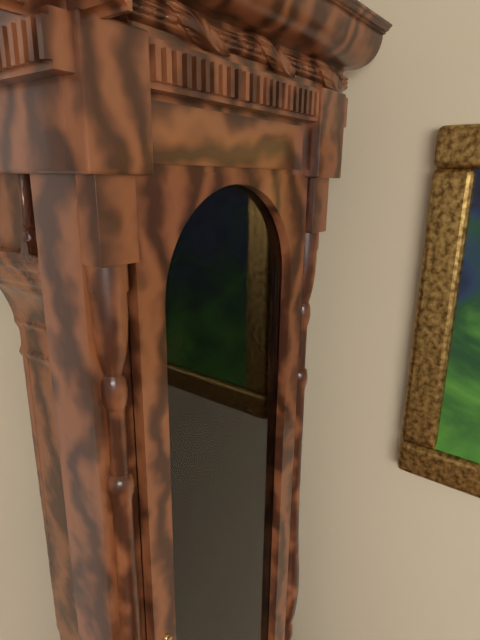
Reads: 7 h 17 min
